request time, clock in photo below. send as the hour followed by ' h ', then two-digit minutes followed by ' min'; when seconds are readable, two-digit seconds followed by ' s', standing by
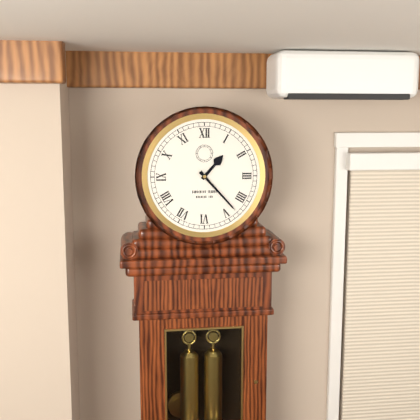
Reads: 1 h 23 min
